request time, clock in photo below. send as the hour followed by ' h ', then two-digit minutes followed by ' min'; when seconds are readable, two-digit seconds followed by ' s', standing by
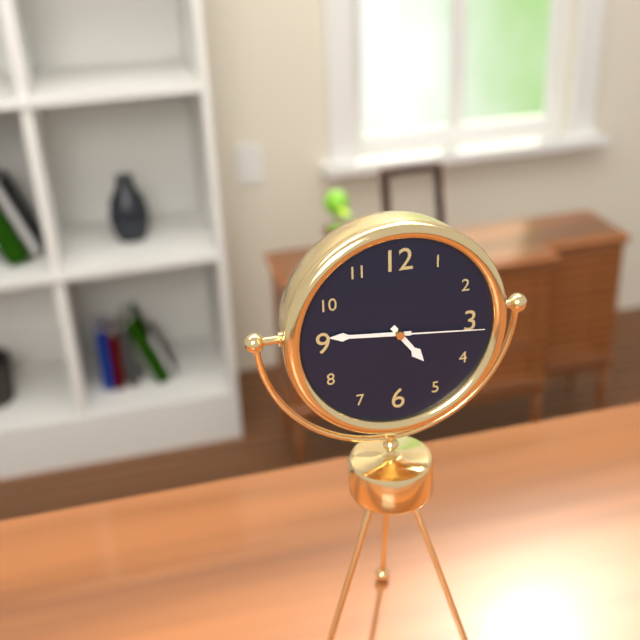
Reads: 4 h 46 min 16 s
